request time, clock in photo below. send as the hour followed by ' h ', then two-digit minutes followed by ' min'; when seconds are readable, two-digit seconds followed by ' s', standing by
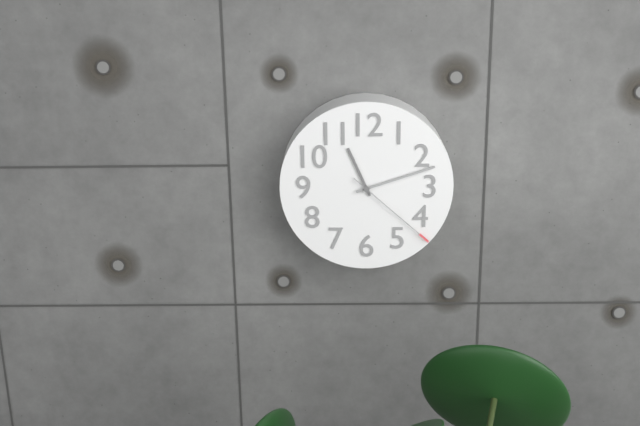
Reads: 11 h 12 min 22 s
